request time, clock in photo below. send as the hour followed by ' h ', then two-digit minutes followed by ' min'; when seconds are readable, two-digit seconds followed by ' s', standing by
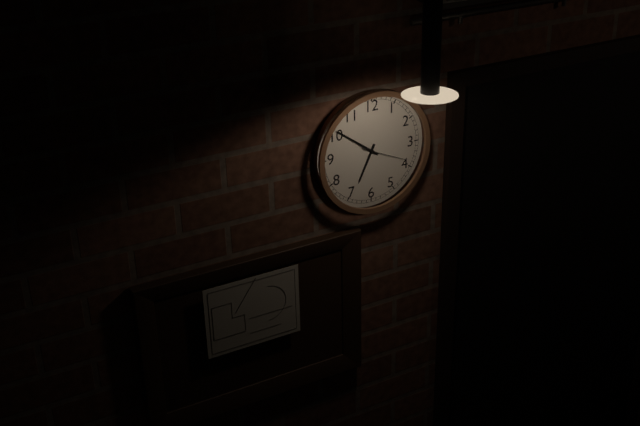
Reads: 6 h 51 min
